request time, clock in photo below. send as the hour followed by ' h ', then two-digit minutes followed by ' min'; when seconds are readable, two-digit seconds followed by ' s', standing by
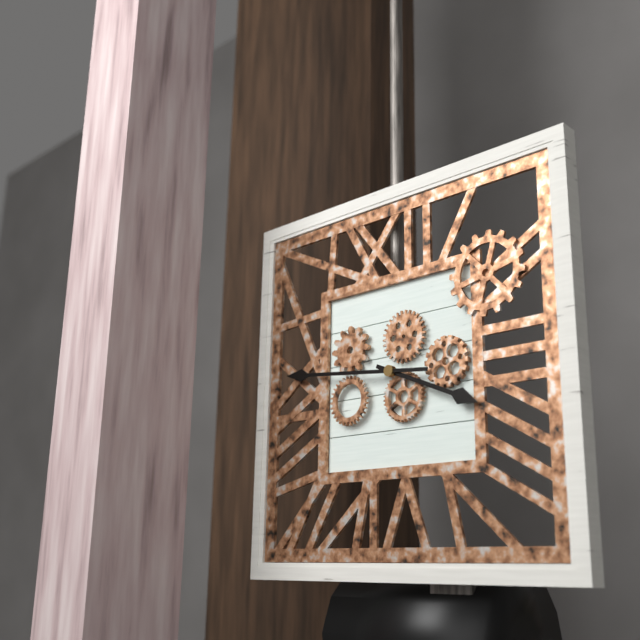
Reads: 3 h 46 min
